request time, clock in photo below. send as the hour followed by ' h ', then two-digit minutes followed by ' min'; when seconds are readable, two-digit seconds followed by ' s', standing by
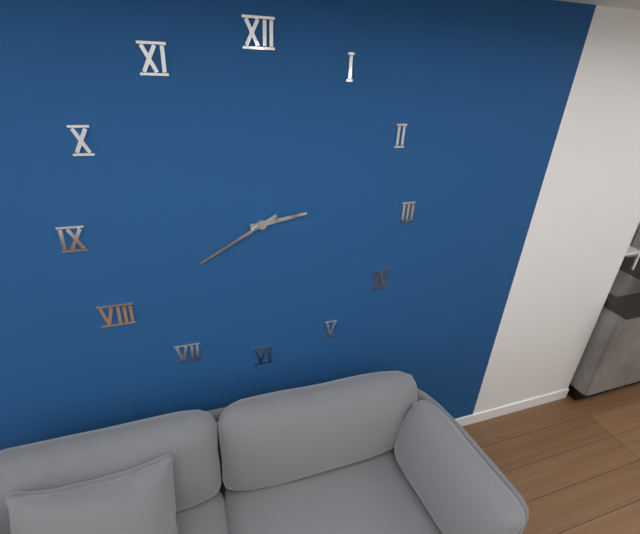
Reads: 2 h 40 min
